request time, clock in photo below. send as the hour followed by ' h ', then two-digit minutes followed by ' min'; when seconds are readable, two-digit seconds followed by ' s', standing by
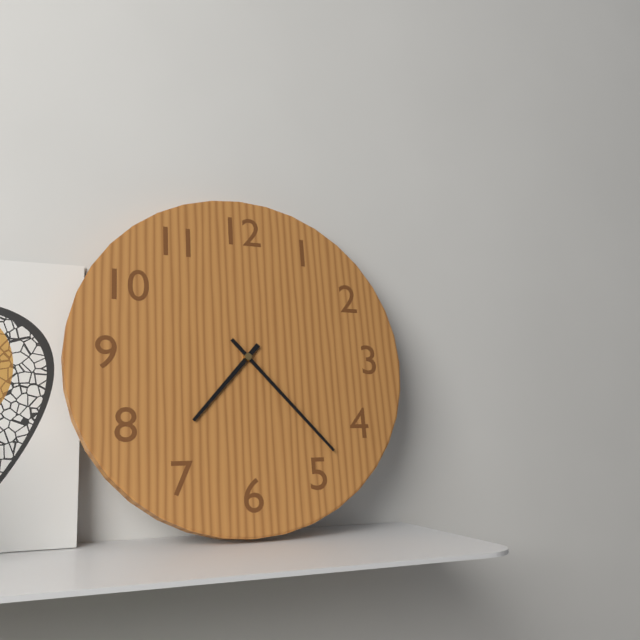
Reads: 7 h 23 min
